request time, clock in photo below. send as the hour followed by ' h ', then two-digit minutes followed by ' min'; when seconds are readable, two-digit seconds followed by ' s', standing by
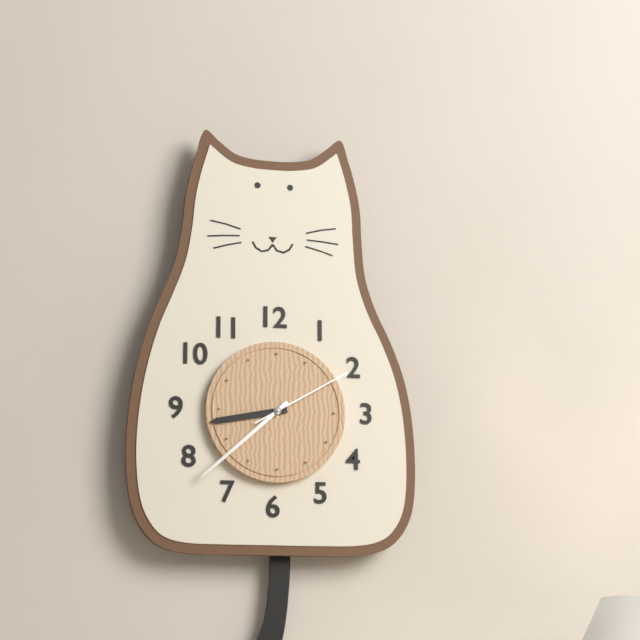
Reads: 8 h 38 min 10 s
